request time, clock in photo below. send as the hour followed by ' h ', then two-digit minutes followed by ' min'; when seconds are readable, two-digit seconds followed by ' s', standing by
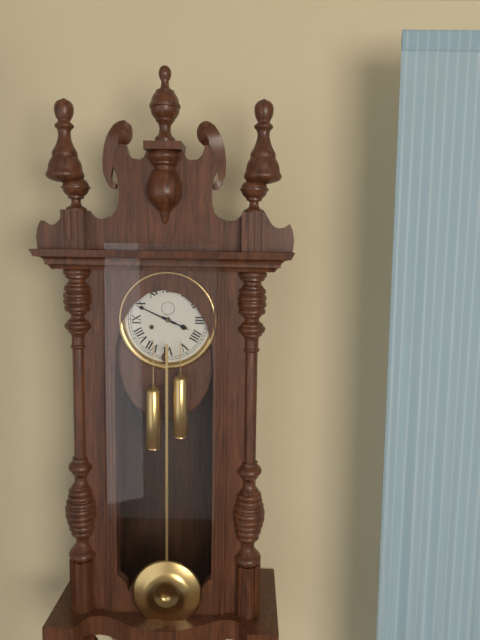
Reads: 3 h 49 min
